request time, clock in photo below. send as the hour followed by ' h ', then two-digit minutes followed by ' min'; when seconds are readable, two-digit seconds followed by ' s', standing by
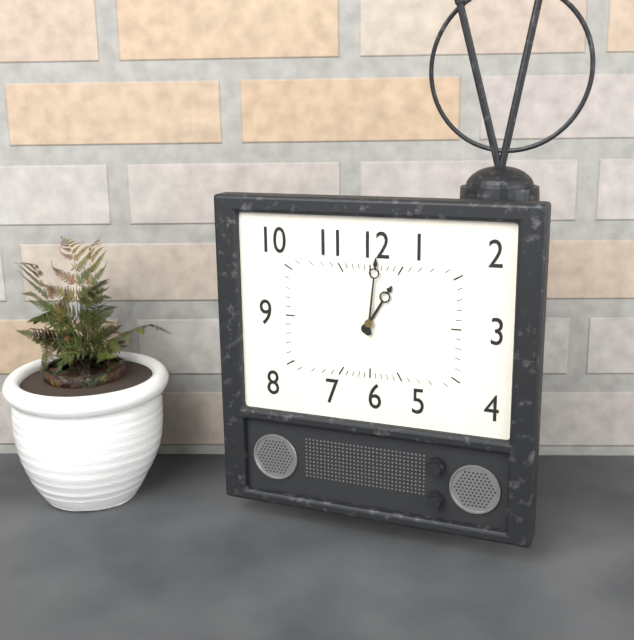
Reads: 1 h 01 min
